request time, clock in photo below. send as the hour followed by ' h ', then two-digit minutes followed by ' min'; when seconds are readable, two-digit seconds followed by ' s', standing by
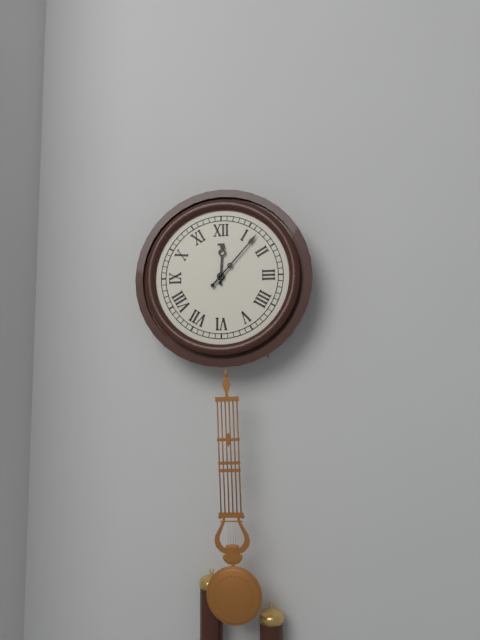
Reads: 12 h 07 min
